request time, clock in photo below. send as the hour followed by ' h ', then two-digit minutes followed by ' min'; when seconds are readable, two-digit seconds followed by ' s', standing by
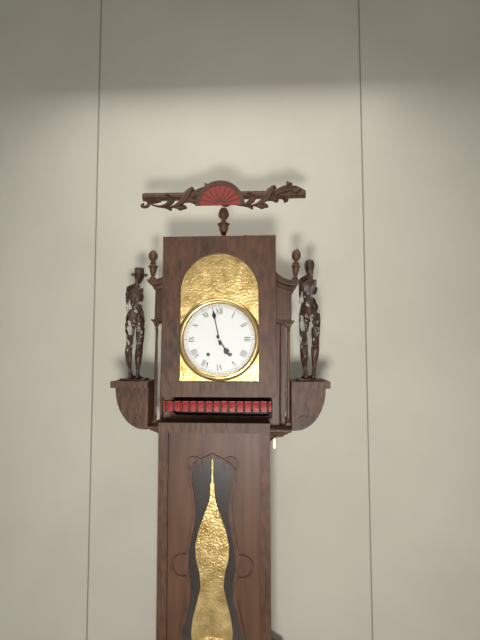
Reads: 4 h 58 min
